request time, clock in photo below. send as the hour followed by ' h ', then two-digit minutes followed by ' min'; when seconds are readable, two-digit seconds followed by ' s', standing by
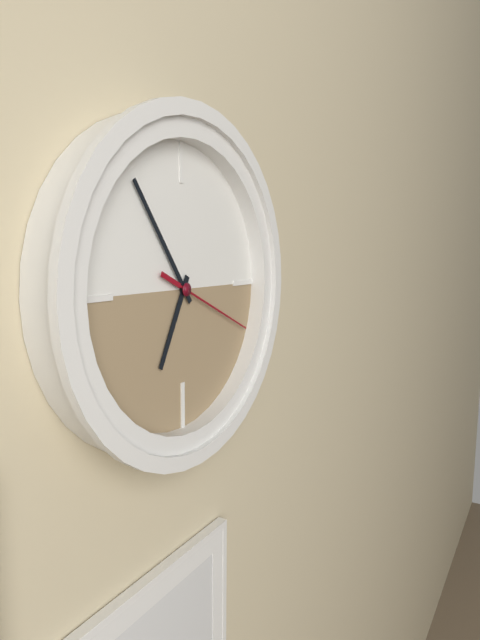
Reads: 6 h 54 min 19 s
